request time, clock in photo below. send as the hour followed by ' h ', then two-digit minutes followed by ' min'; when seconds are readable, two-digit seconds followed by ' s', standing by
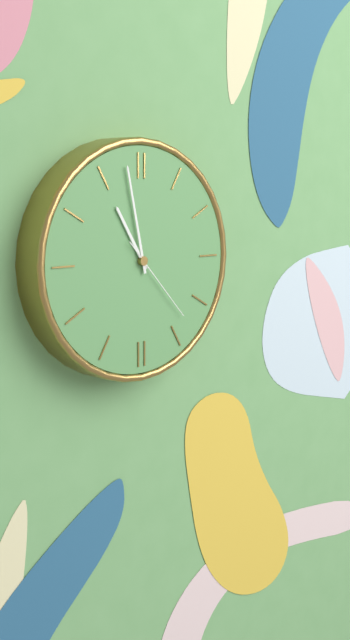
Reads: 10 h 58 min 23 s
